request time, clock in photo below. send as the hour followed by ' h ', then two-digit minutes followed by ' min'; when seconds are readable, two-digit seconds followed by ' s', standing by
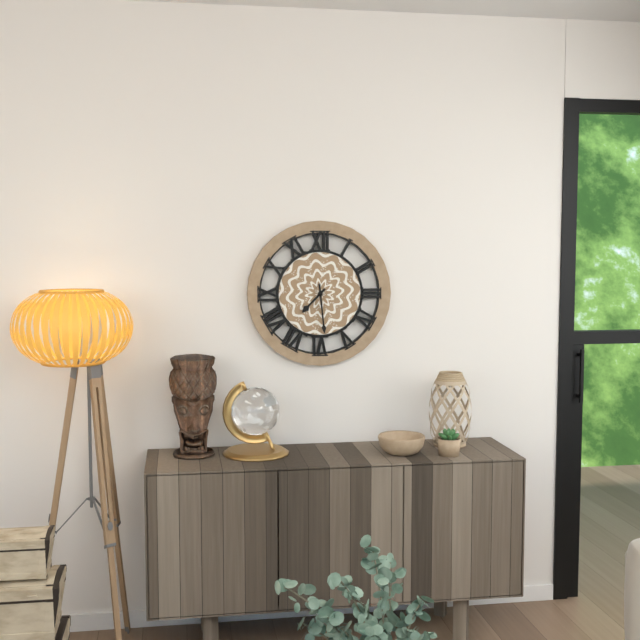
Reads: 7 h 29 min
